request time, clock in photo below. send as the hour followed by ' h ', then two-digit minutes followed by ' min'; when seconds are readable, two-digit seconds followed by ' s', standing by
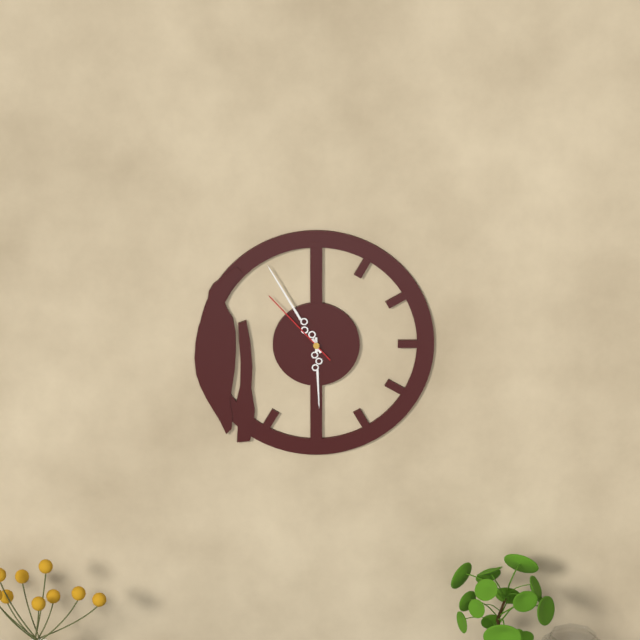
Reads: 5 h 55 min 53 s
